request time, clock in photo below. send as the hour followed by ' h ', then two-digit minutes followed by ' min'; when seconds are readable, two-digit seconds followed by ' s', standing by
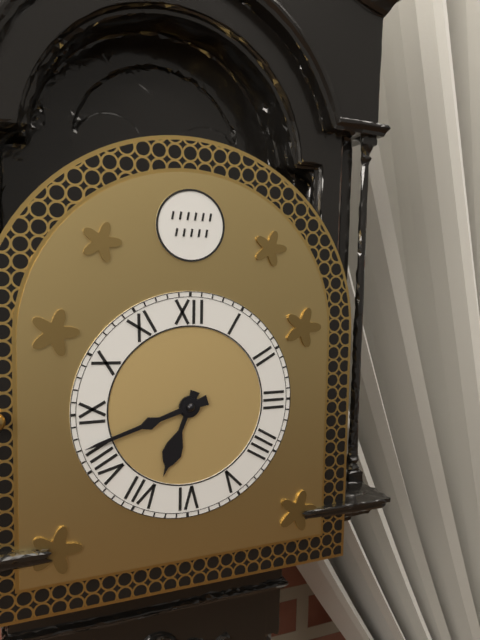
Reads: 6 h 42 min
